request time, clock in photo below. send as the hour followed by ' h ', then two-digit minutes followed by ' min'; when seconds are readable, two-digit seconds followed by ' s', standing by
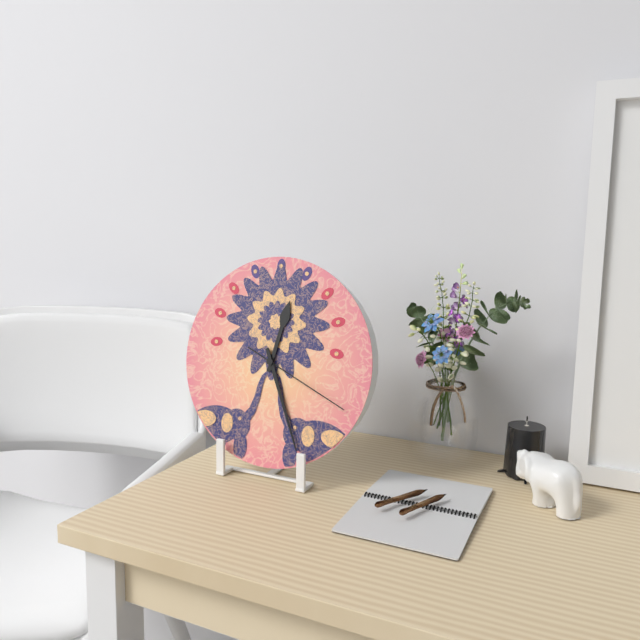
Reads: 12 h 26 min 19 s
